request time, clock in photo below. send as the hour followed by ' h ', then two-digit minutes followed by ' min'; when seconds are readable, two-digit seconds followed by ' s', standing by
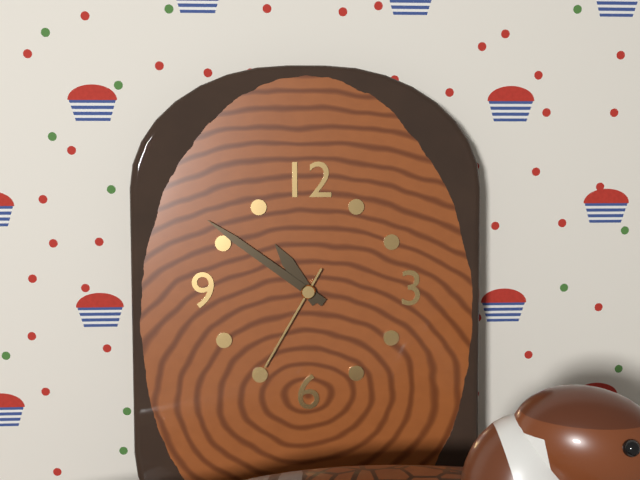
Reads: 10 h 51 min 35 s
